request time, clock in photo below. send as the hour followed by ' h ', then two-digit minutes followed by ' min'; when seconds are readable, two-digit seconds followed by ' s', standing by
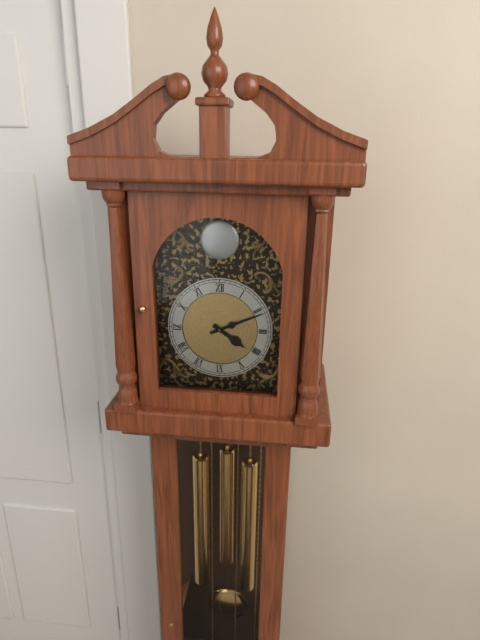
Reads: 4 h 11 min
